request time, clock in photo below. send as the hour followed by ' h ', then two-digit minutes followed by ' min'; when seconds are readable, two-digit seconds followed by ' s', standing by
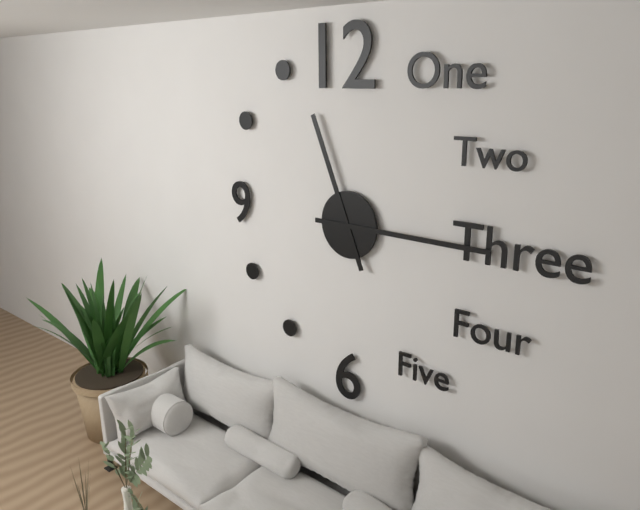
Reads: 11 h 15 min
